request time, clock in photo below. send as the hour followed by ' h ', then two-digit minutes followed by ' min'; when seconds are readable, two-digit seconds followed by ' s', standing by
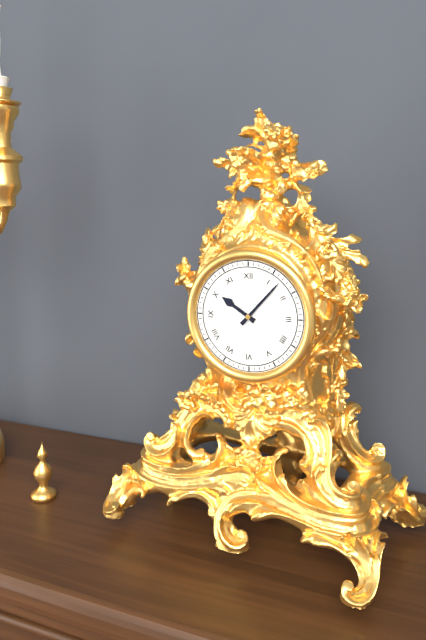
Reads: 10 h 07 min
